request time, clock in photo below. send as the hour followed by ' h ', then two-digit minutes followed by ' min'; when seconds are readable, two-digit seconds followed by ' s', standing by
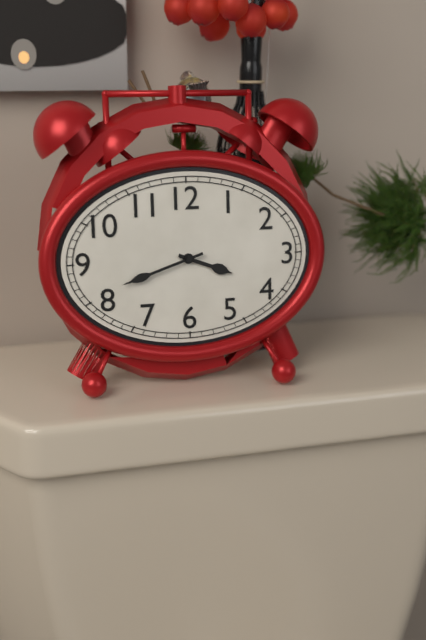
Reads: 3 h 42 min
